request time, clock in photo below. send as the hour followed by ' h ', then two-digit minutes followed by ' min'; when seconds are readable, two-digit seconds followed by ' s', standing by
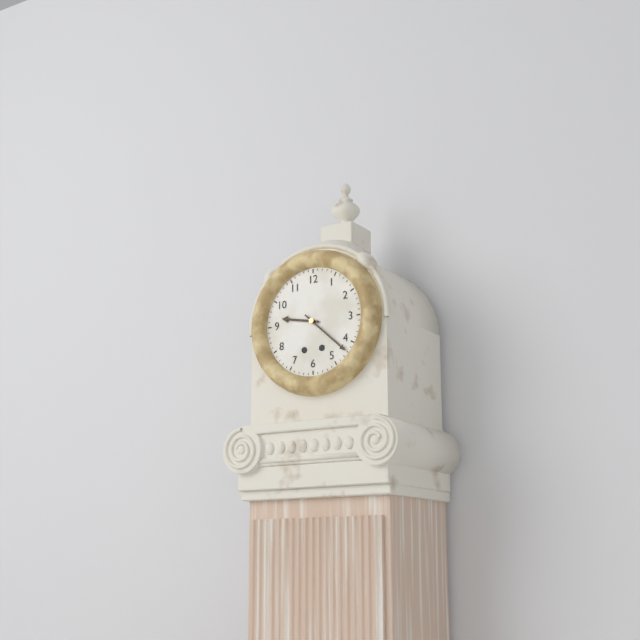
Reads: 9 h 22 min
